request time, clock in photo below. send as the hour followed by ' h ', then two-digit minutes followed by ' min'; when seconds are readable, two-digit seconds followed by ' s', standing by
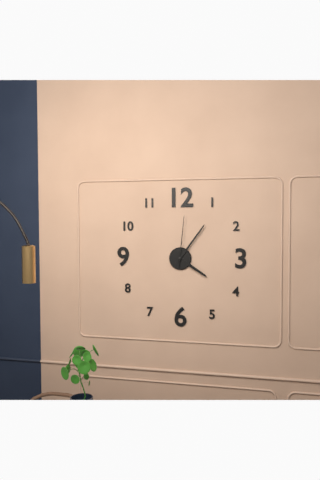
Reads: 4 h 06 min 01 s
